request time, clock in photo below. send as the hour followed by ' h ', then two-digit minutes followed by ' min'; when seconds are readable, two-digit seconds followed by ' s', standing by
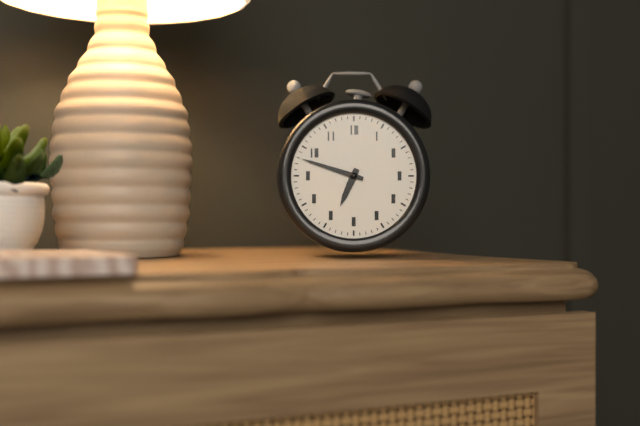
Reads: 6 h 48 min
